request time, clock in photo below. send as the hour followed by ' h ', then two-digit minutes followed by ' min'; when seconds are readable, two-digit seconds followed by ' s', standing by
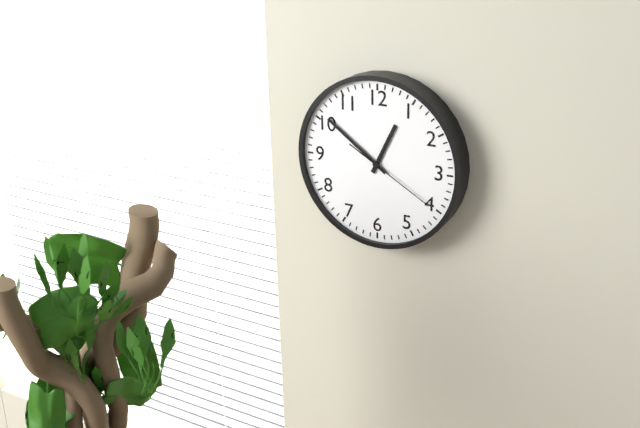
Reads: 12 h 51 min 20 s
